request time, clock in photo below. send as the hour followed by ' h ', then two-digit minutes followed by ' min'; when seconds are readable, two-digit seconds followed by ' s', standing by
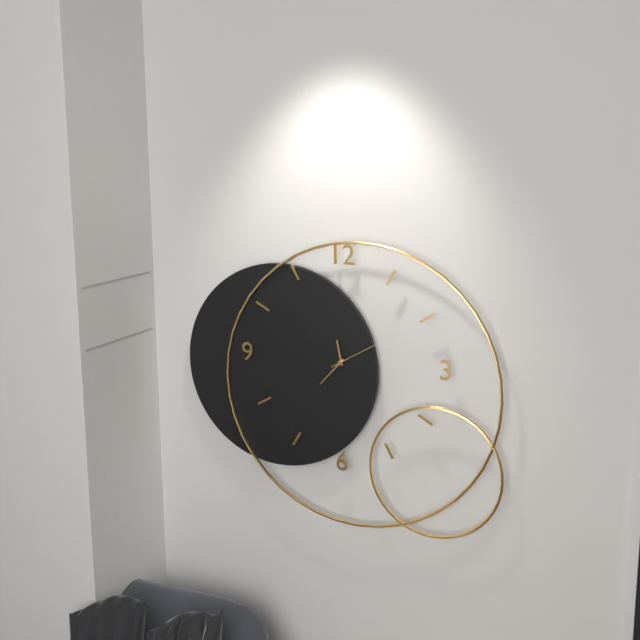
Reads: 11 h 37 min 10 s
